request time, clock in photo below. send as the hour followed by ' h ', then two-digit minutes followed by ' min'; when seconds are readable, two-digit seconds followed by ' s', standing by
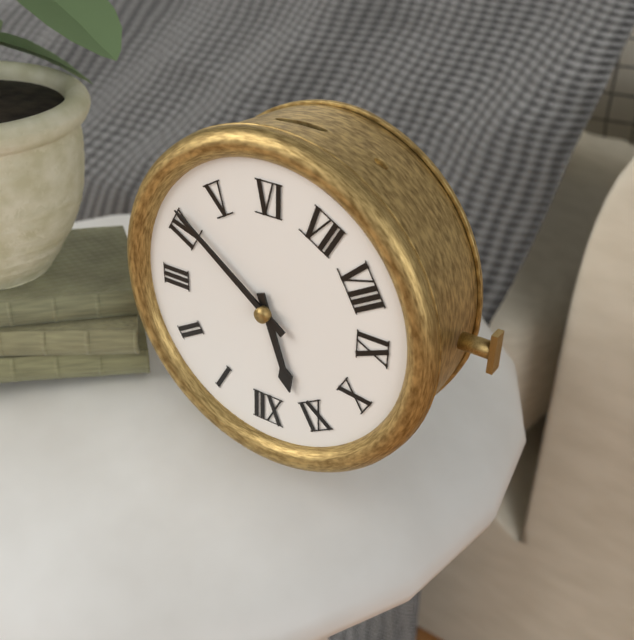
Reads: 11 h 21 min
